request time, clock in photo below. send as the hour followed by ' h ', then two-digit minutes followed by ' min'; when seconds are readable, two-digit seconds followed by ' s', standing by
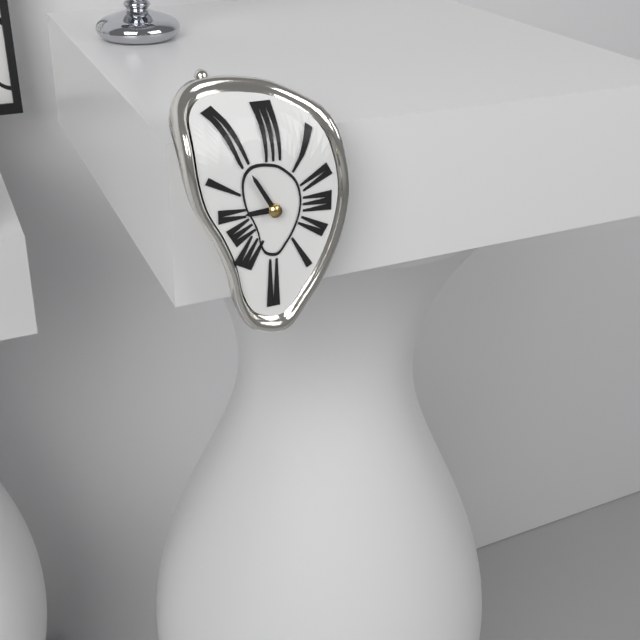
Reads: 8 h 55 min
